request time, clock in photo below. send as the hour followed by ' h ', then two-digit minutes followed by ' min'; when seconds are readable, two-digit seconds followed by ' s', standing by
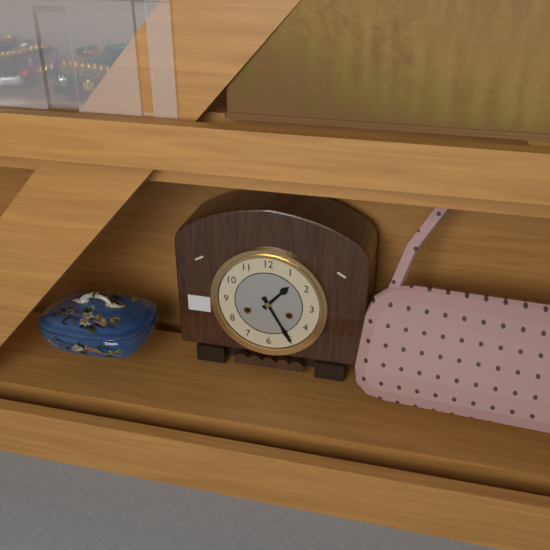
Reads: 1 h 25 min
